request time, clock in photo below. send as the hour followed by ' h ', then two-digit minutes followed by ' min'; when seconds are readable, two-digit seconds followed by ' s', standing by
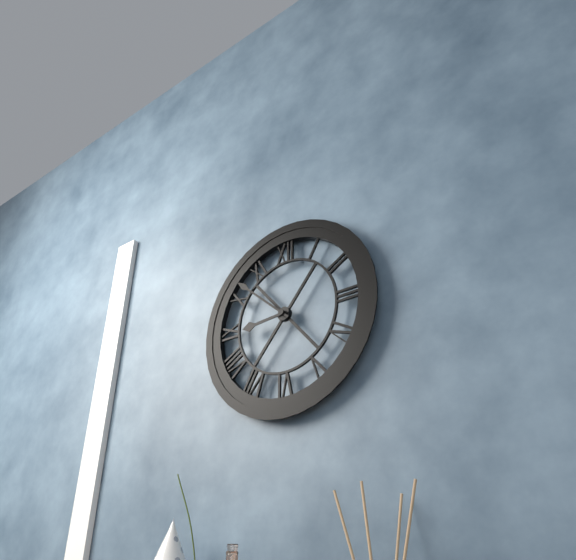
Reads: 8 h 52 min
